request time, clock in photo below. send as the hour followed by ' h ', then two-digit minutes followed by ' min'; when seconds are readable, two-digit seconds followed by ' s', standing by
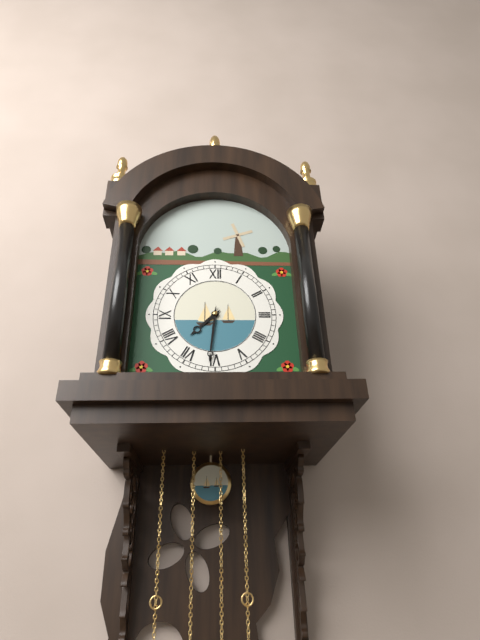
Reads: 7 h 31 min
